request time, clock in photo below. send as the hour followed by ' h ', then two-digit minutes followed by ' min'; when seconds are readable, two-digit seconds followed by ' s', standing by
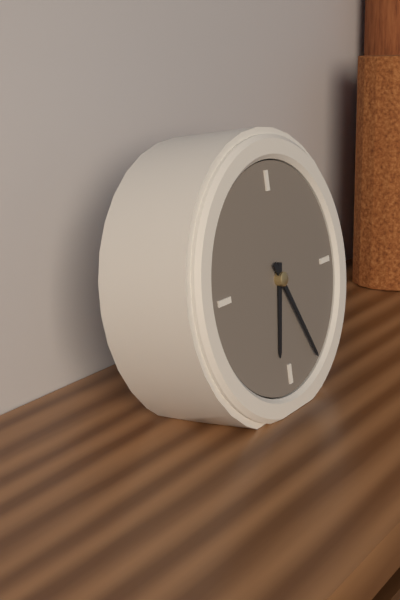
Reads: 6 h 25 min
